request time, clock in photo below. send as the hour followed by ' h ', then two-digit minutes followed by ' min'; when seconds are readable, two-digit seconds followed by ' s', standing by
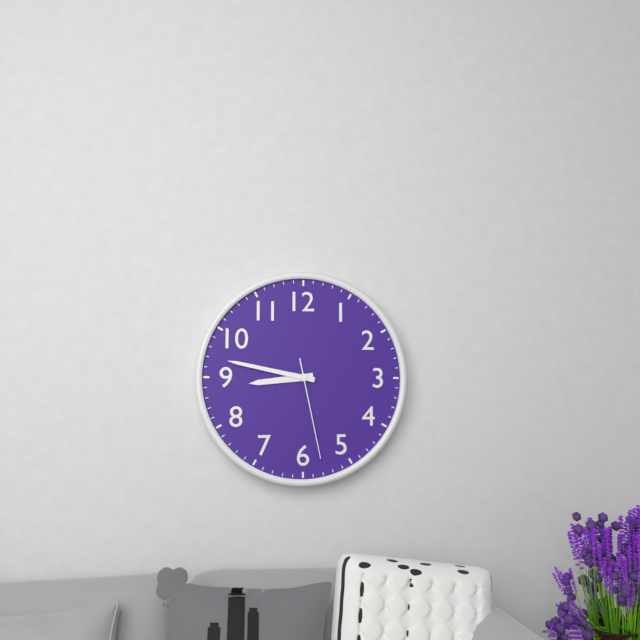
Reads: 8 h 47 min 28 s
